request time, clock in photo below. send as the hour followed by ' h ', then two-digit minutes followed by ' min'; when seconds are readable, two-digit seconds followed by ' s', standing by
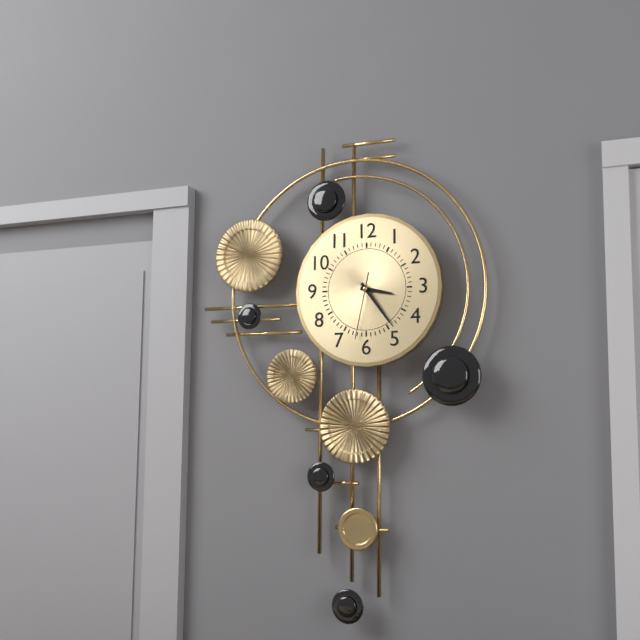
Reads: 3 h 24 min 32 s
